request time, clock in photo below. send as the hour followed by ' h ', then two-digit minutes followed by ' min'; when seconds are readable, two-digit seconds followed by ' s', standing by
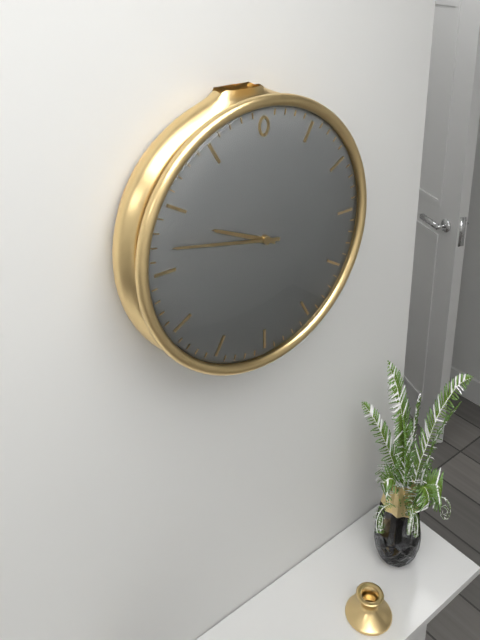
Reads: 9 h 47 min
